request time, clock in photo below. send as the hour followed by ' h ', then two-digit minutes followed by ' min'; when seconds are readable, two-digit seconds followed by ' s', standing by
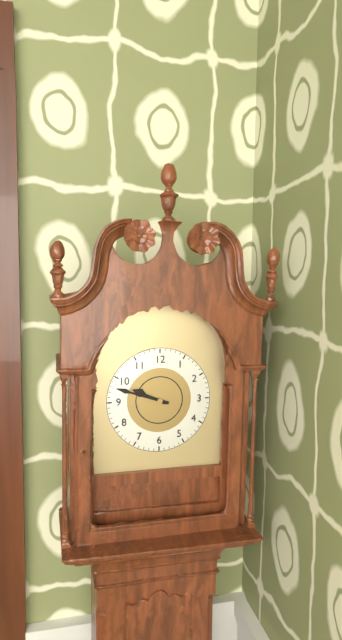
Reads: 9 h 48 min
